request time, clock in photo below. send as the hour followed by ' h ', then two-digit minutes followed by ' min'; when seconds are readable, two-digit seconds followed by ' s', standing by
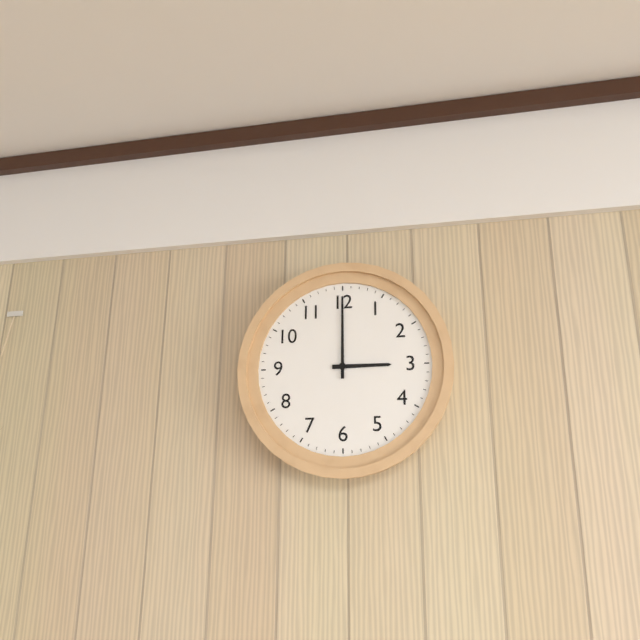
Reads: 3 h 00 min
